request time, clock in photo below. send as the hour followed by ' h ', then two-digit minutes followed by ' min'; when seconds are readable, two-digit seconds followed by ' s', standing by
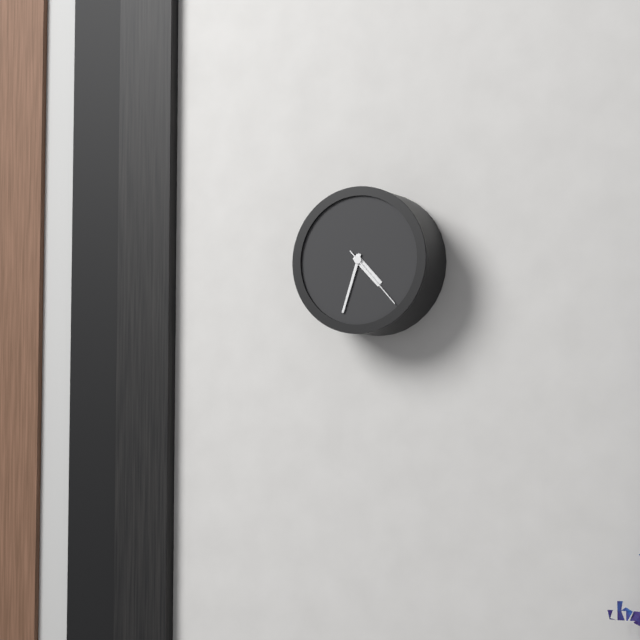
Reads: 4 h 33 min 23 s
